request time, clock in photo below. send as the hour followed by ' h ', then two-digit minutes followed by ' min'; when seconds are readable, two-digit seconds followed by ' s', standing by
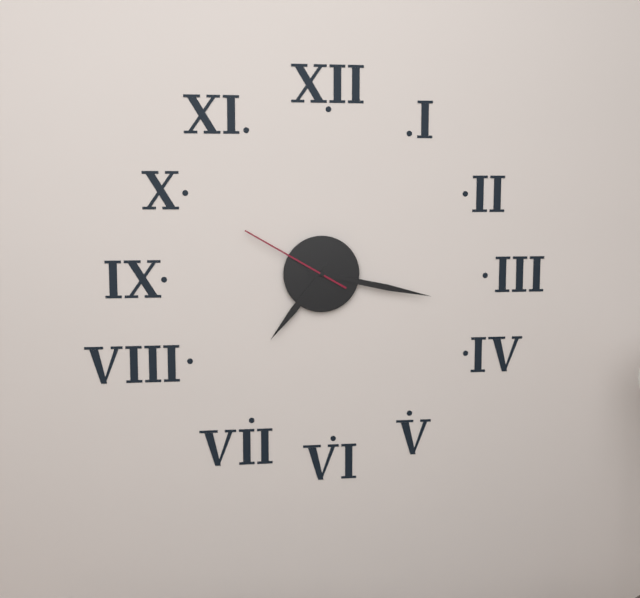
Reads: 7 h 17 min 50 s
